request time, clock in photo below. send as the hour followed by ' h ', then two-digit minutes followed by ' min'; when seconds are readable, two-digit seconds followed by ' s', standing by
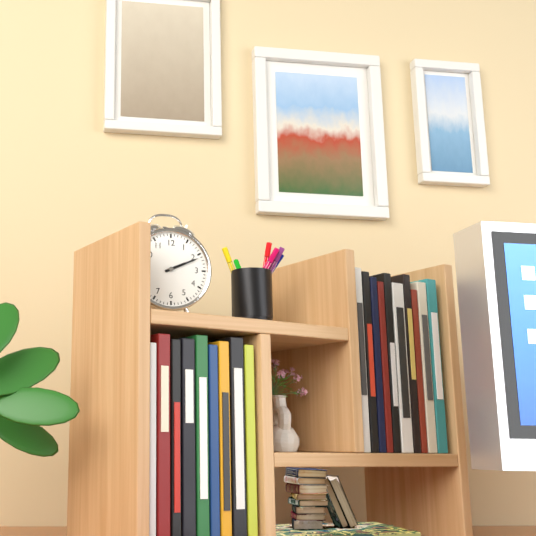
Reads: 2 h 11 min
